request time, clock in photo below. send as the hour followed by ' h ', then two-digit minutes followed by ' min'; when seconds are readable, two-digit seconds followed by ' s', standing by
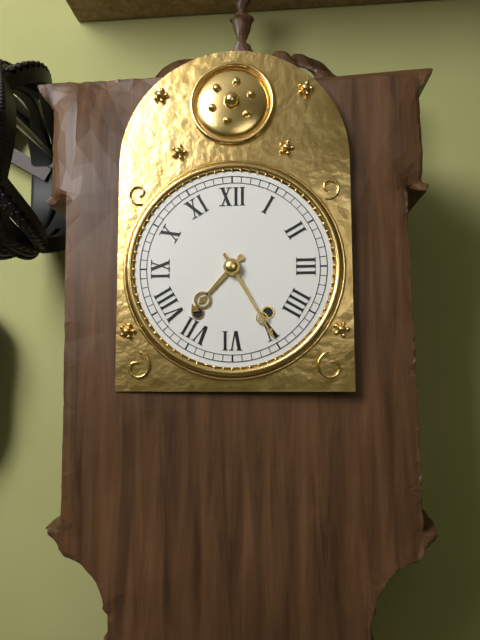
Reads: 7 h 25 min
